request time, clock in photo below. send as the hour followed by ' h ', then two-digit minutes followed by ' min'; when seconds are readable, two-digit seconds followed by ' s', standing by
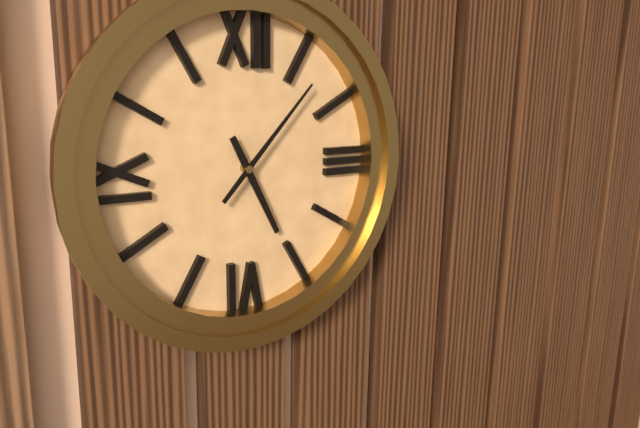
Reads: 5 h 07 min
